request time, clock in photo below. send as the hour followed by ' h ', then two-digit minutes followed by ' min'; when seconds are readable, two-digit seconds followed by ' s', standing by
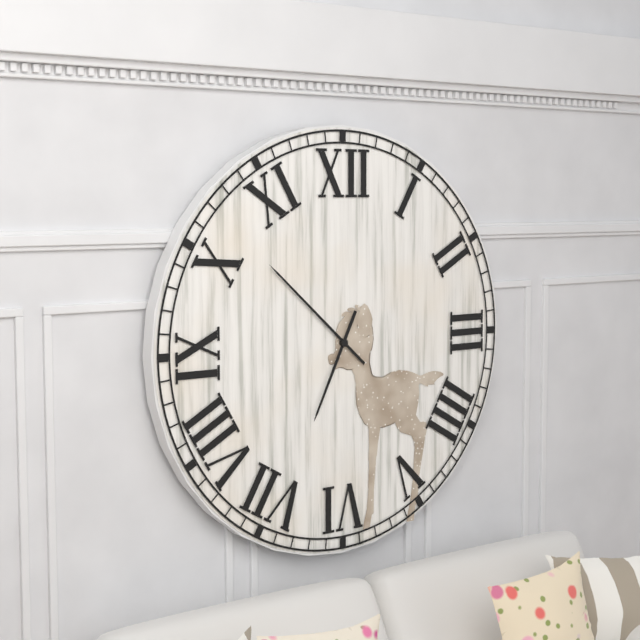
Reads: 6 h 52 min
